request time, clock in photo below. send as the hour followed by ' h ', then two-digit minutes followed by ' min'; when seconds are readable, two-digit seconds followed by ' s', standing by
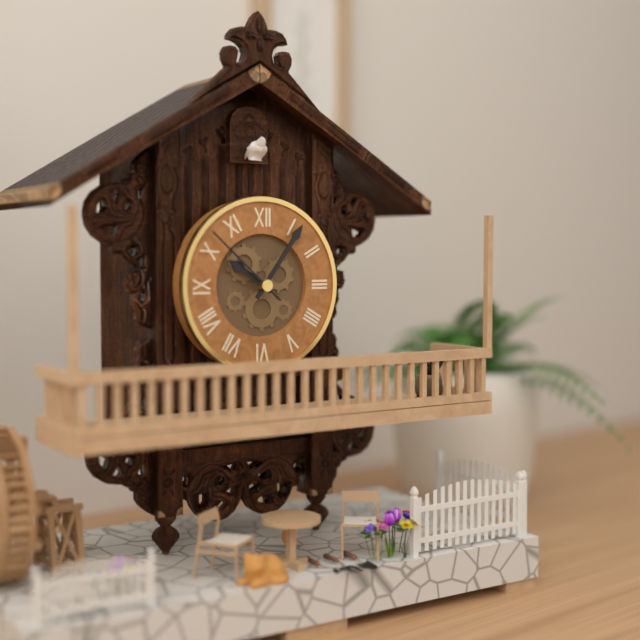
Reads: 10 h 06 min 52 s
